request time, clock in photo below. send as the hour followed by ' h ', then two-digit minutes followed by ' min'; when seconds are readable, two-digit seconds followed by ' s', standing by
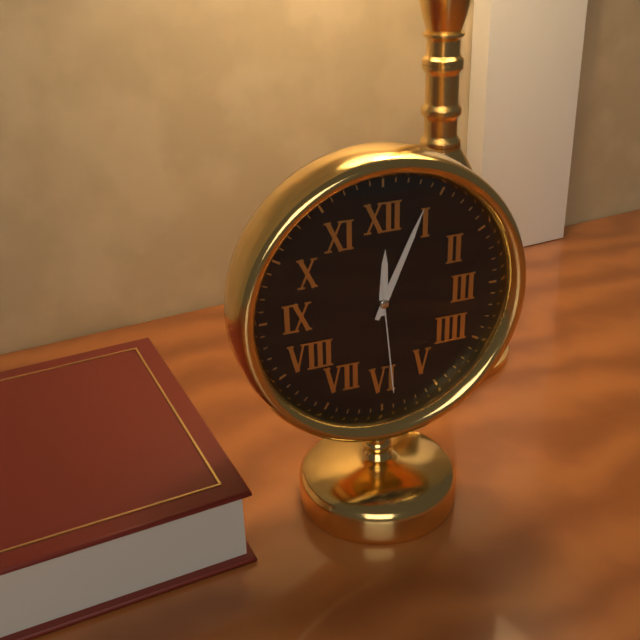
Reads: 12 h 04 min 29 s
